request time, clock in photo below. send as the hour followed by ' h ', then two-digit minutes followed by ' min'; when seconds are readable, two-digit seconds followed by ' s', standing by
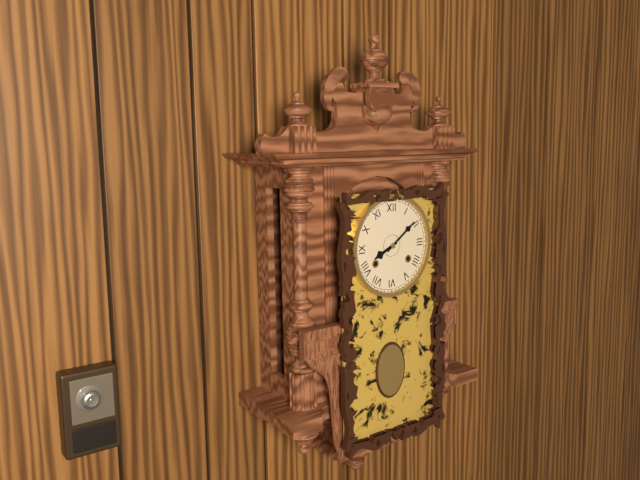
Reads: 8 h 09 min
